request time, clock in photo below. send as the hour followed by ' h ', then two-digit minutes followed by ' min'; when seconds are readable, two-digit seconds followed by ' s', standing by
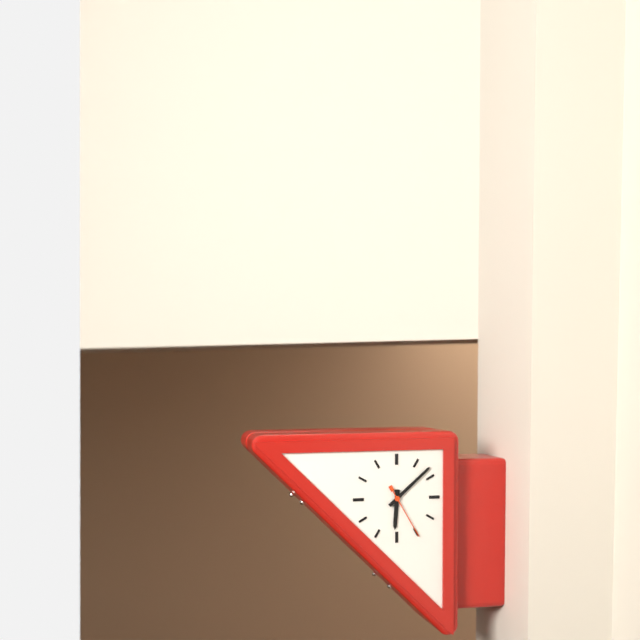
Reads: 6 h 08 min 25 s
